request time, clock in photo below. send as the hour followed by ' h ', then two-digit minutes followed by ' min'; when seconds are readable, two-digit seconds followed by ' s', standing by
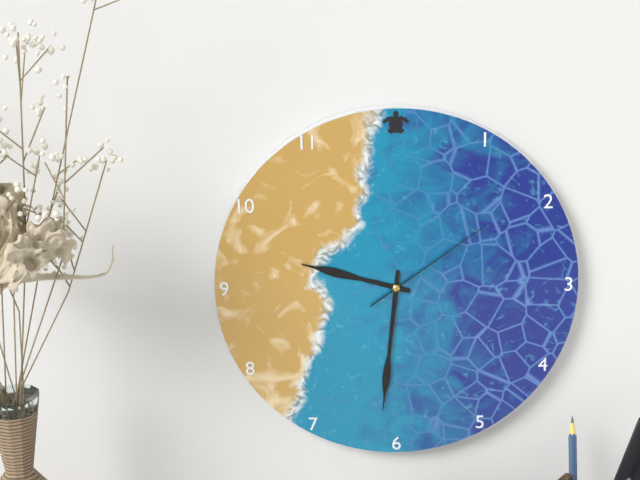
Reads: 9 h 31 min 09 s
